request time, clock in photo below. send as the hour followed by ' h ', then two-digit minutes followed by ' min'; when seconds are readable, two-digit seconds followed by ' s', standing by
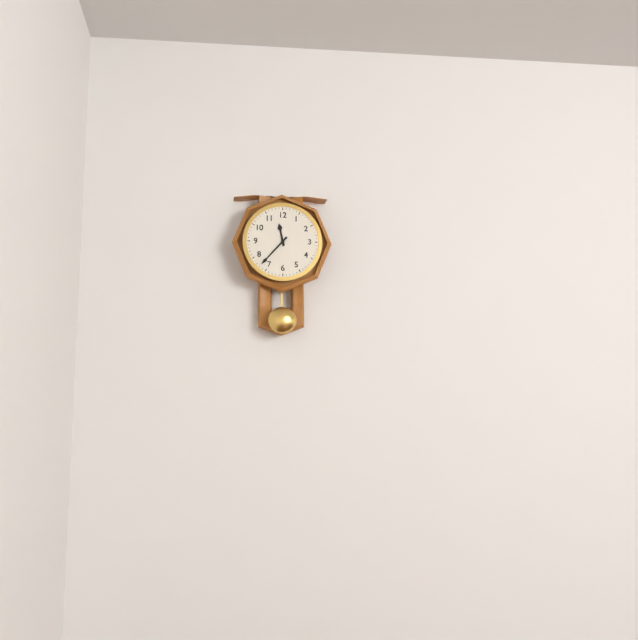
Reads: 11 h 37 min
